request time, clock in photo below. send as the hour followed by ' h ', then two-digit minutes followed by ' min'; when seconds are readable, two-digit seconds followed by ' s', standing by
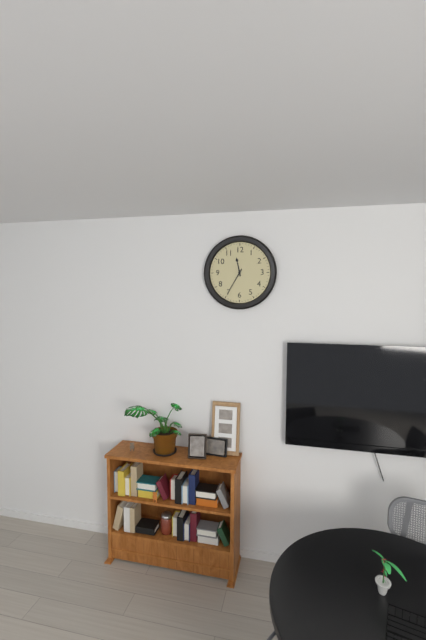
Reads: 11 h 35 min
